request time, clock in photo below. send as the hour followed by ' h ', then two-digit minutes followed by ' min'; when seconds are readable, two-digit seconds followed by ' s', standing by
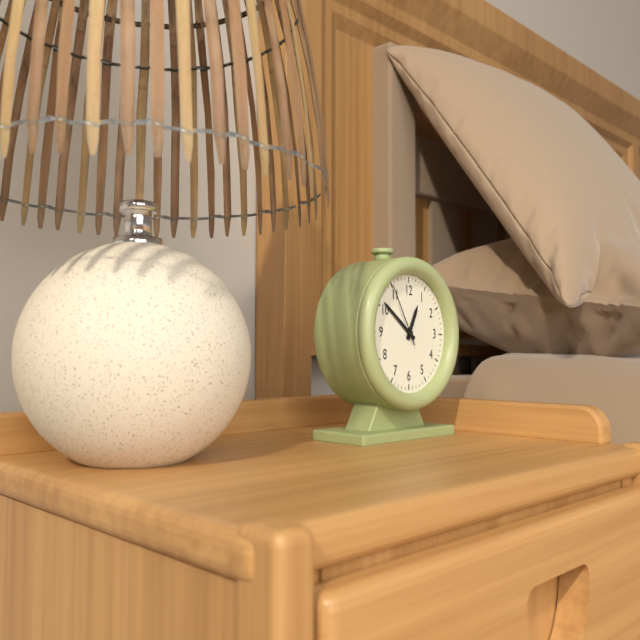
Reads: 12 h 51 min 55 s
